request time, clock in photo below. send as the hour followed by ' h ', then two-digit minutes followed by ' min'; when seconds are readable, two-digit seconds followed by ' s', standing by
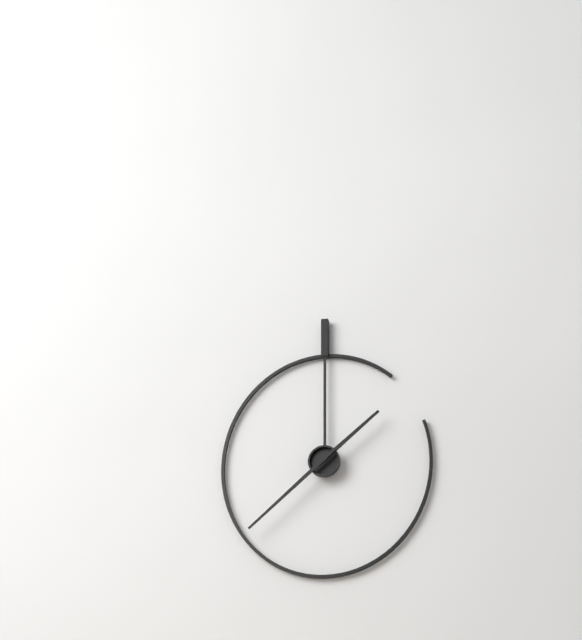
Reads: 1 h 38 min
